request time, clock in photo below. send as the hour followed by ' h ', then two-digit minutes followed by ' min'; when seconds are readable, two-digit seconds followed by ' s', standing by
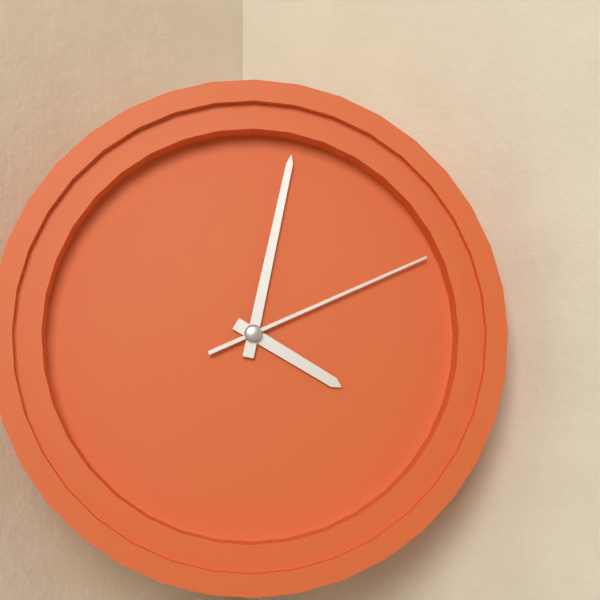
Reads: 4 h 02 min 11 s
